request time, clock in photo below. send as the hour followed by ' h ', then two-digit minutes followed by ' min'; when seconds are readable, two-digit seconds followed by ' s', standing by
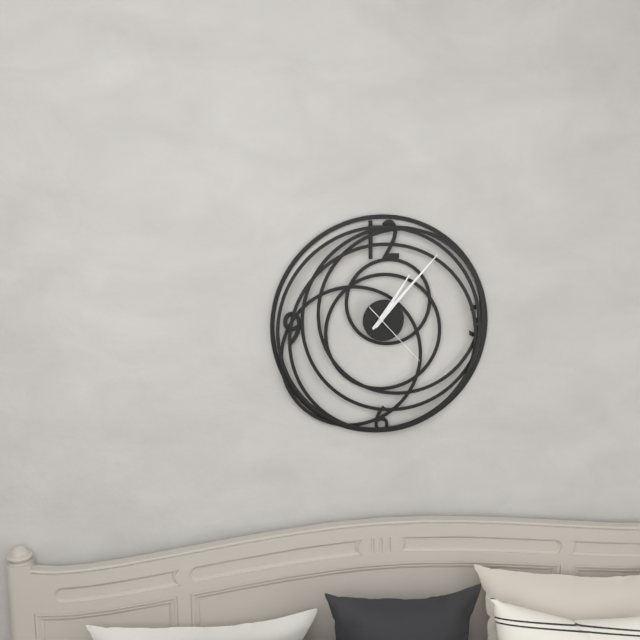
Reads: 1 h 07 min 23 s
